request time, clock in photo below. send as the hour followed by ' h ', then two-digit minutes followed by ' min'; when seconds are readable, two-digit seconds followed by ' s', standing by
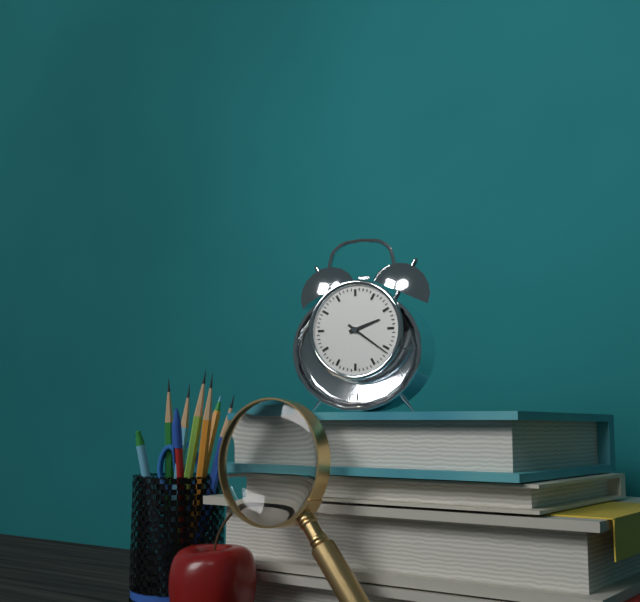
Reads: 2 h 21 min
